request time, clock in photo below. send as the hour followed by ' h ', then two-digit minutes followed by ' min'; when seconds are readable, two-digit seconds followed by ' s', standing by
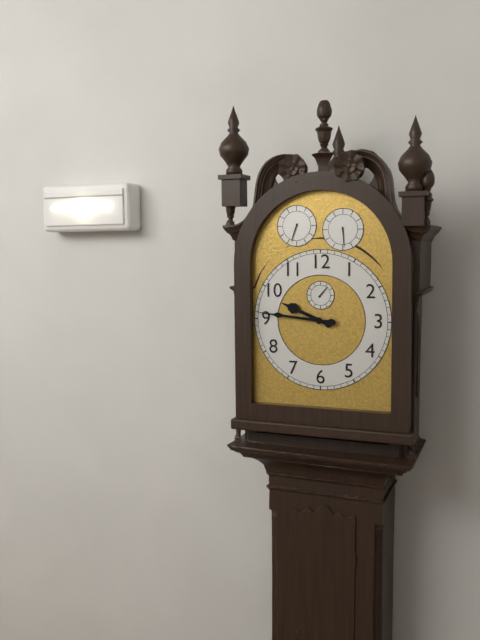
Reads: 9 h 46 min
